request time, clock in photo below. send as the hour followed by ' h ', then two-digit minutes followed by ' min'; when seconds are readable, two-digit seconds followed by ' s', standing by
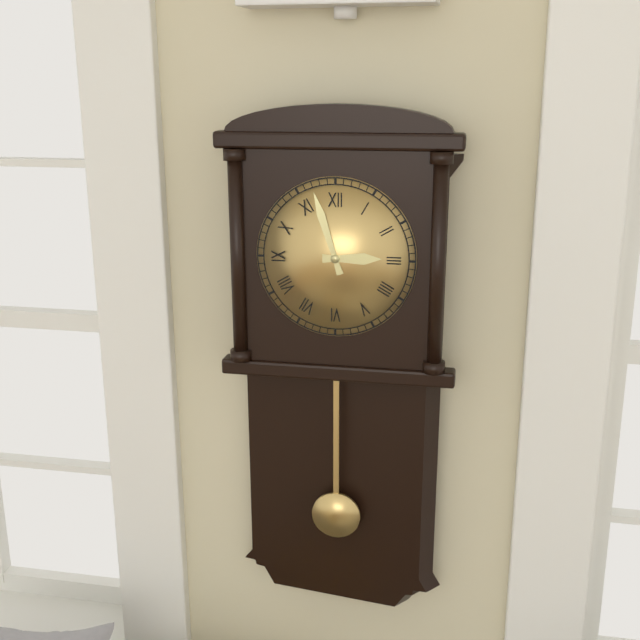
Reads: 2 h 57 min
